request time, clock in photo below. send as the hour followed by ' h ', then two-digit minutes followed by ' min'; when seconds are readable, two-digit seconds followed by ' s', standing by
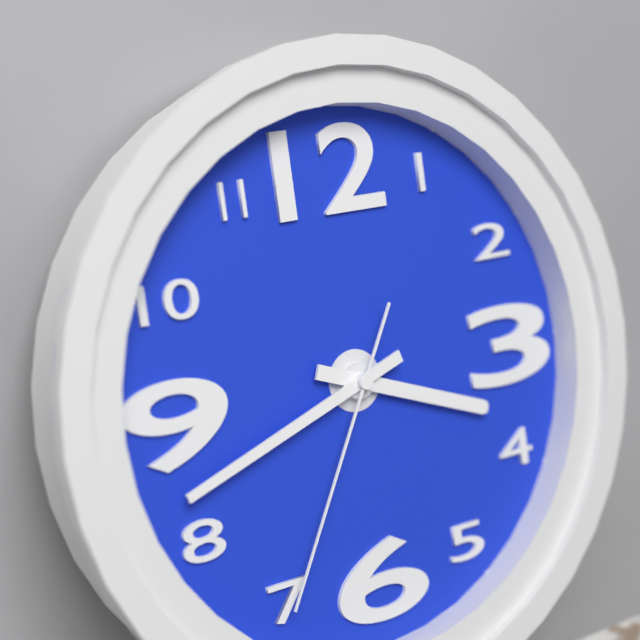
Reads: 3 h 42 min 35 s
